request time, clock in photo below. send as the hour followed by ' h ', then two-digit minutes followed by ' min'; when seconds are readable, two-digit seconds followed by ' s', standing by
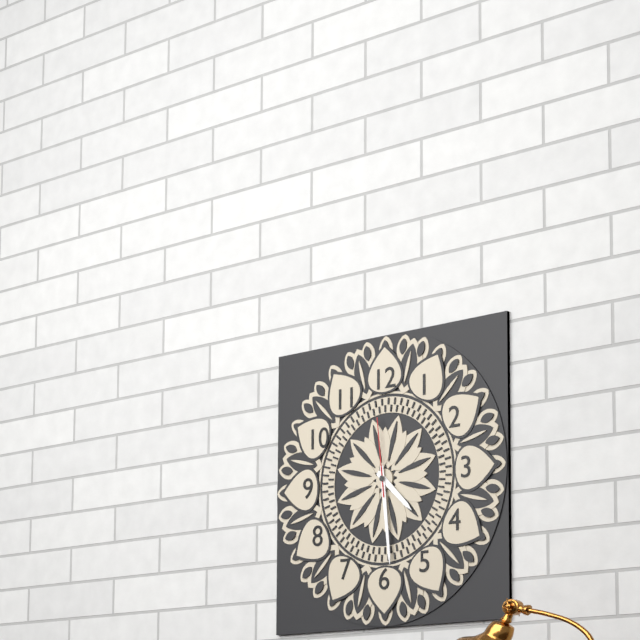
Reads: 4 h 29 min 59 s
